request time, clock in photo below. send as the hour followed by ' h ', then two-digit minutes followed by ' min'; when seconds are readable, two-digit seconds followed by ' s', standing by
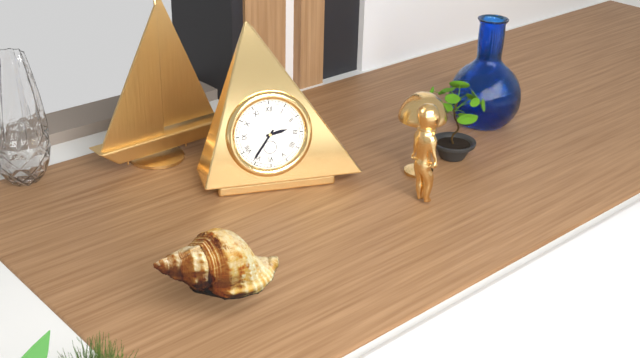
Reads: 2 h 36 min
